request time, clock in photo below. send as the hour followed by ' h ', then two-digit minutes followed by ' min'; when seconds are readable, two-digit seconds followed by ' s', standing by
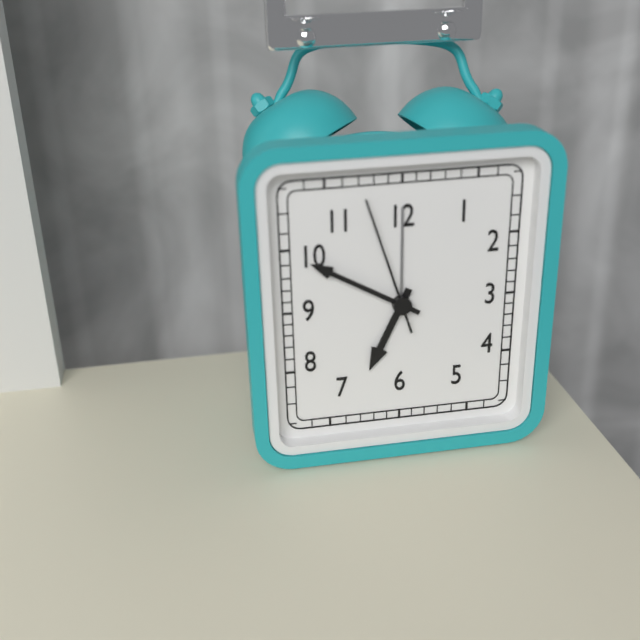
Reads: 6 h 50 min 57 s
